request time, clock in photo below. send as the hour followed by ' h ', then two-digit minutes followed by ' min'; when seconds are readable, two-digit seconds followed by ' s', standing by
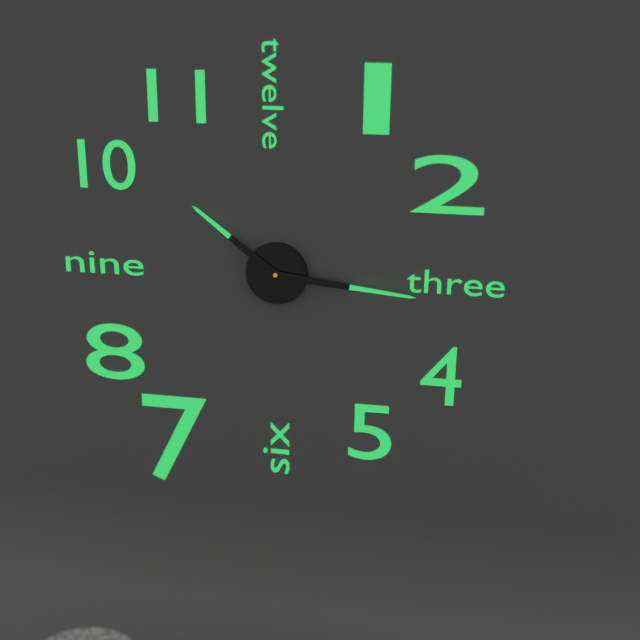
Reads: 10 h 16 min
